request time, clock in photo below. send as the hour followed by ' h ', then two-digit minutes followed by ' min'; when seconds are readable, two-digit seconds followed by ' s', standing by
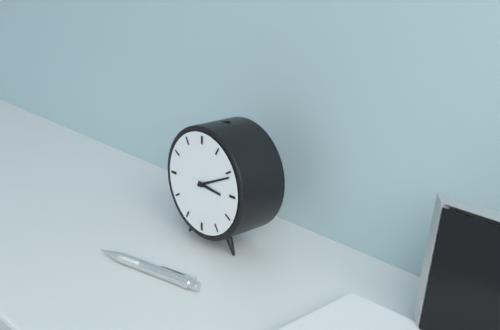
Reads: 3 h 11 min
